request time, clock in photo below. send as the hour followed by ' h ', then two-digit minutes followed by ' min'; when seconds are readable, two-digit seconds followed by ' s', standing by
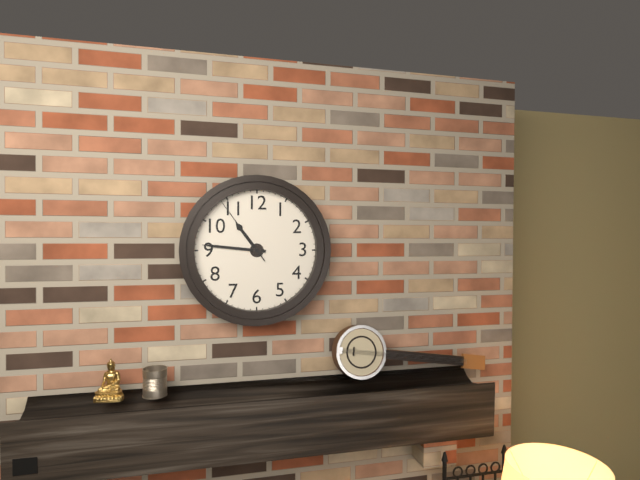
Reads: 10 h 46 min 54 s
